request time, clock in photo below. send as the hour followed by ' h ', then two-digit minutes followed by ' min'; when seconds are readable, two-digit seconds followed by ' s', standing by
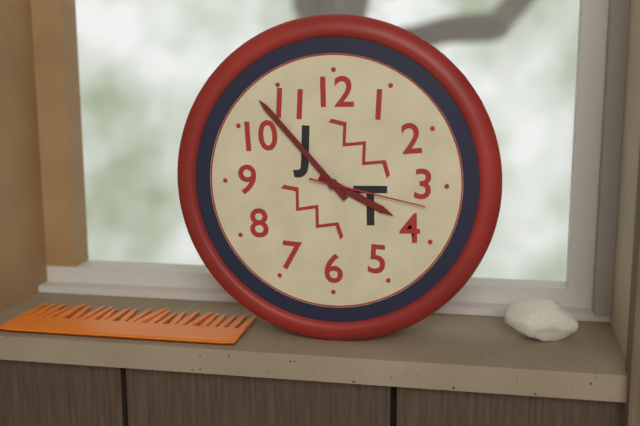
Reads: 3 h 53 min 17 s
